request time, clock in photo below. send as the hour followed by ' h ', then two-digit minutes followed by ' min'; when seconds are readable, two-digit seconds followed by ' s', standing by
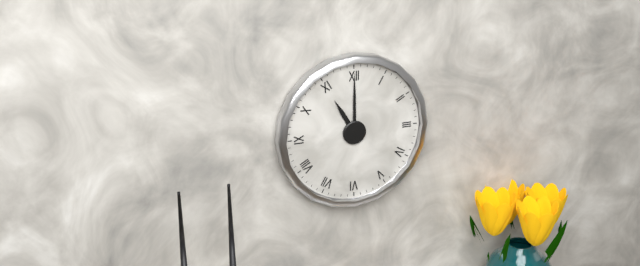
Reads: 11 h 00 min
